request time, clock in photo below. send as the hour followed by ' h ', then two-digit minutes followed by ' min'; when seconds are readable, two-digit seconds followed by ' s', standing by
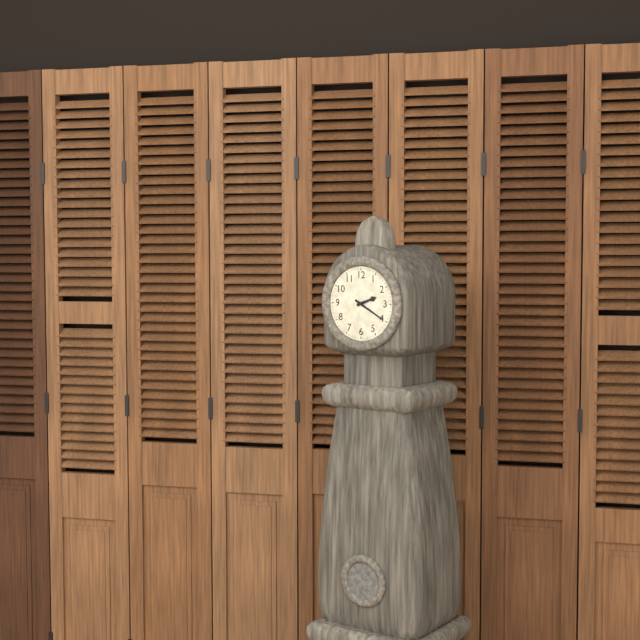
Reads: 2 h 20 min
